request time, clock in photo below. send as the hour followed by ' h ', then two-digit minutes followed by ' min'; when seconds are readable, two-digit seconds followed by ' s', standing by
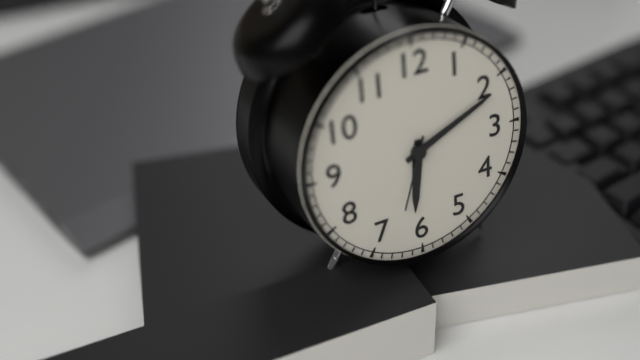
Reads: 6 h 11 min 33 s
